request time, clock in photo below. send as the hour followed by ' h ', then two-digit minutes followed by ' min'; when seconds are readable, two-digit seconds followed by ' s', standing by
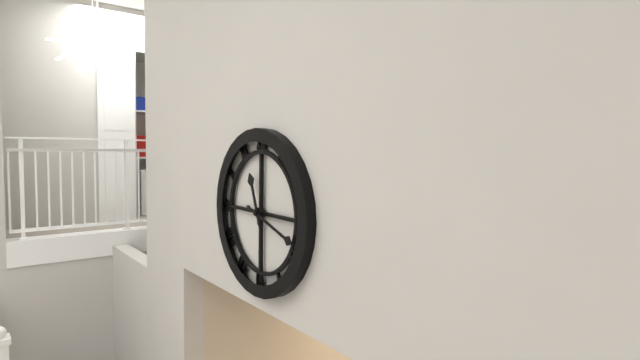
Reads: 11 h 18 min
